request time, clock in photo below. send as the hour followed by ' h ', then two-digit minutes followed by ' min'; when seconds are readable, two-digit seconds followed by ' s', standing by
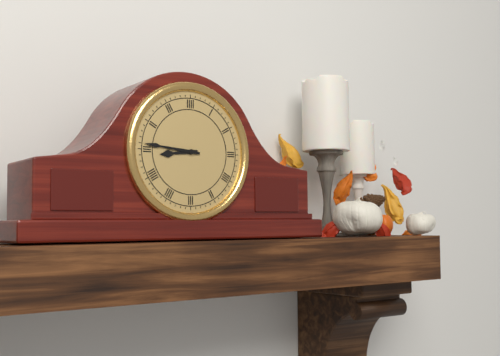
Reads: 8 h 46 min
